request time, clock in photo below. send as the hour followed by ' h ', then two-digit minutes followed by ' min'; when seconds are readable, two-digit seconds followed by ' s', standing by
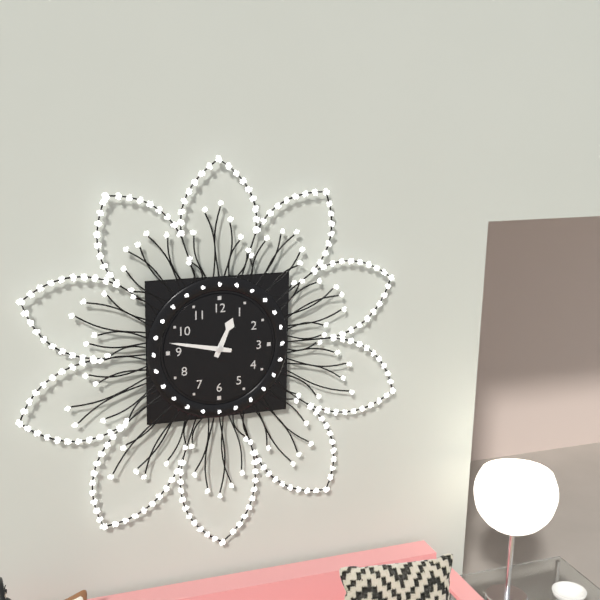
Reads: 12 h 47 min
